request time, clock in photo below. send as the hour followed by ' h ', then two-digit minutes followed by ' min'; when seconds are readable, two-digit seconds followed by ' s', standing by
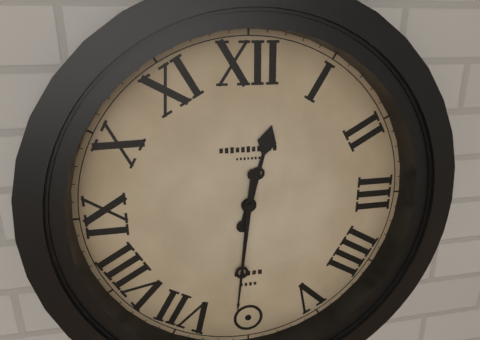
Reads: 12 h 31 min
